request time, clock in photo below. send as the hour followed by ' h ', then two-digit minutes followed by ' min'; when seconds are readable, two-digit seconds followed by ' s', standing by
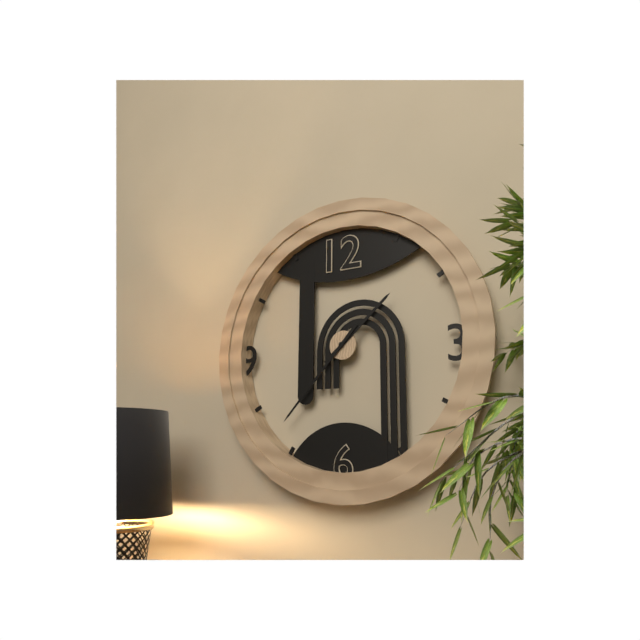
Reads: 1 h 37 min
